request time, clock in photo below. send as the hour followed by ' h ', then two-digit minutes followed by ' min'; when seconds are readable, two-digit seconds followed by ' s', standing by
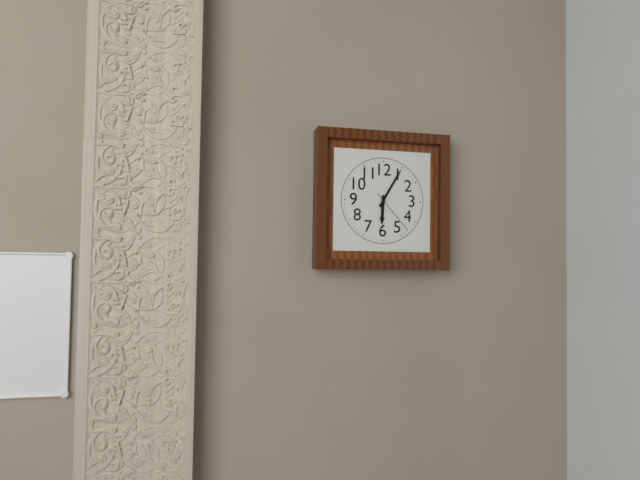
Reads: 6 h 05 min
